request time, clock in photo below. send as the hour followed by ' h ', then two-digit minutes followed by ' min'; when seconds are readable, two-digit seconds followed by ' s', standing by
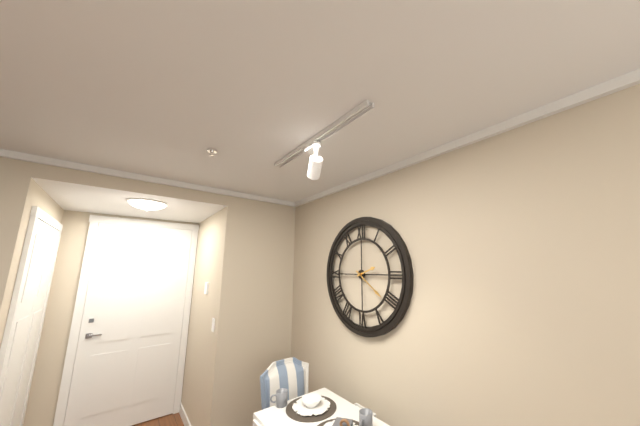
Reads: 2 h 21 min
